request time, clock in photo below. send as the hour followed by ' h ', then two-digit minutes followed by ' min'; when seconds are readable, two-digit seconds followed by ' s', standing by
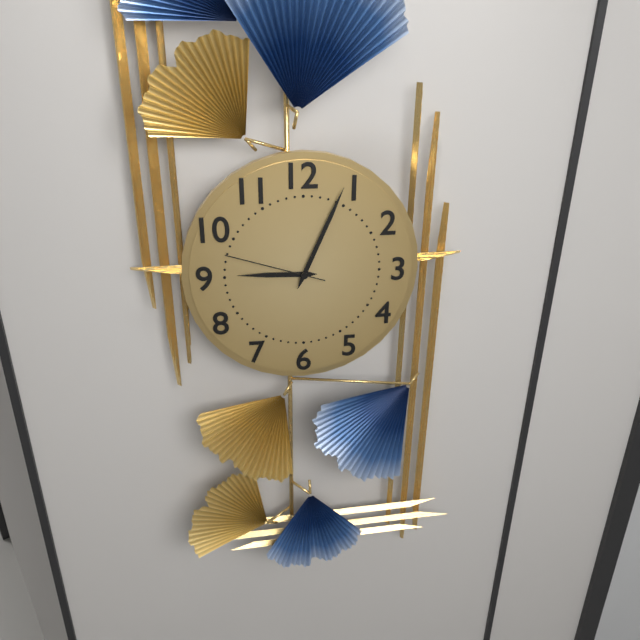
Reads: 9 h 04 min 48 s
